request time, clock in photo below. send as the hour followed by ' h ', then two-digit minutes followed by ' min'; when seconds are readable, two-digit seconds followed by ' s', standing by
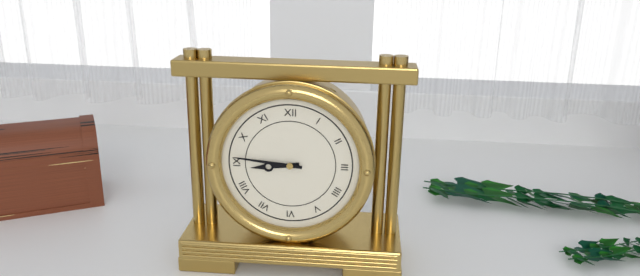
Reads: 8 h 46 min
